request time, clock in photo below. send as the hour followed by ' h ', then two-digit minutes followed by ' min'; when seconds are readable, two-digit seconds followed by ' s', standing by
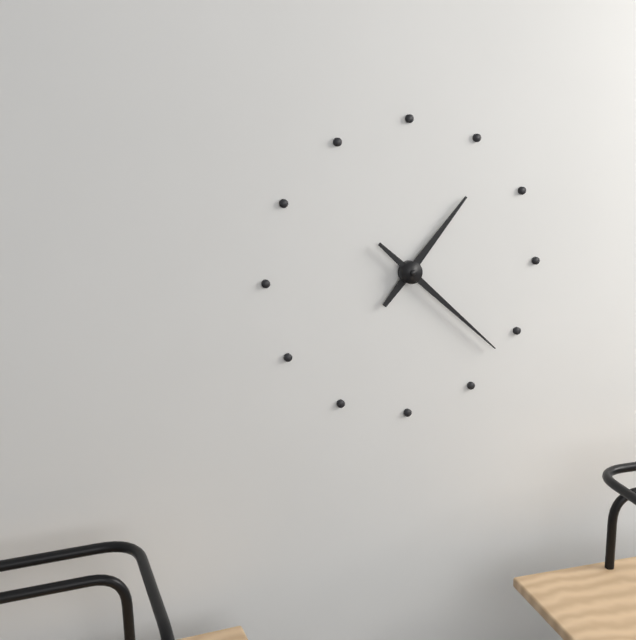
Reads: 1 h 22 min
